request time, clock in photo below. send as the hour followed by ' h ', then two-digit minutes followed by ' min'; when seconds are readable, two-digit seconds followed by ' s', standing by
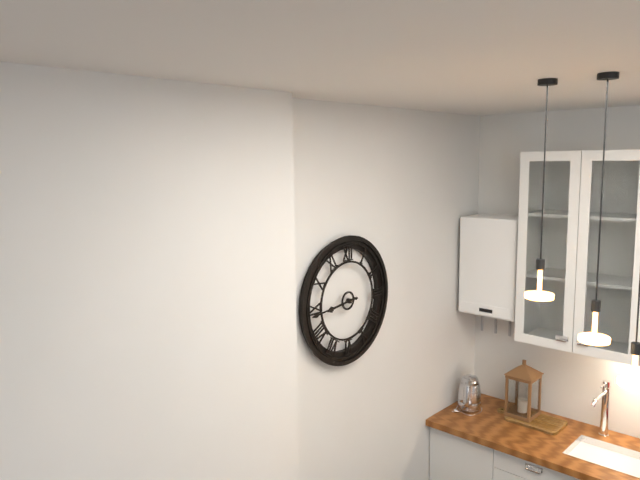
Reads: 8 h 44 min
